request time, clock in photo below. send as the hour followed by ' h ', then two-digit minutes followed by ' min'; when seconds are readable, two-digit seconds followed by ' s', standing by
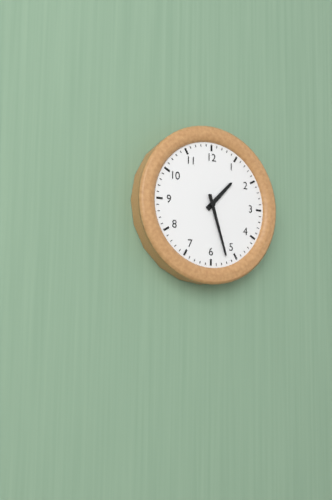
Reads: 1 h 27 min
